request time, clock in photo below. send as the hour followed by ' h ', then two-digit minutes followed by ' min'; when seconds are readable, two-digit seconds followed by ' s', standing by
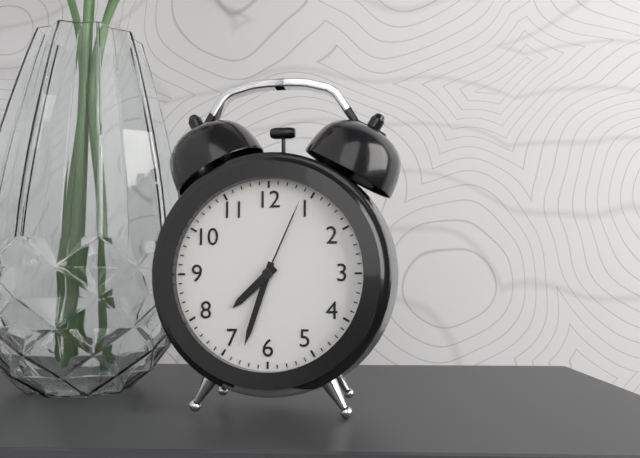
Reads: 7 h 33 min 04 s
